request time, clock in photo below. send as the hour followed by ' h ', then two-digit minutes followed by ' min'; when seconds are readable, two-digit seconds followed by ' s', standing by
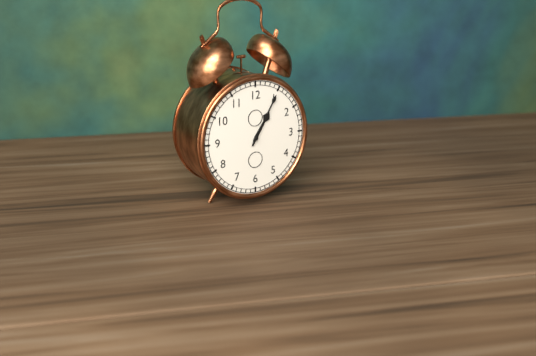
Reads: 1 h 05 min
